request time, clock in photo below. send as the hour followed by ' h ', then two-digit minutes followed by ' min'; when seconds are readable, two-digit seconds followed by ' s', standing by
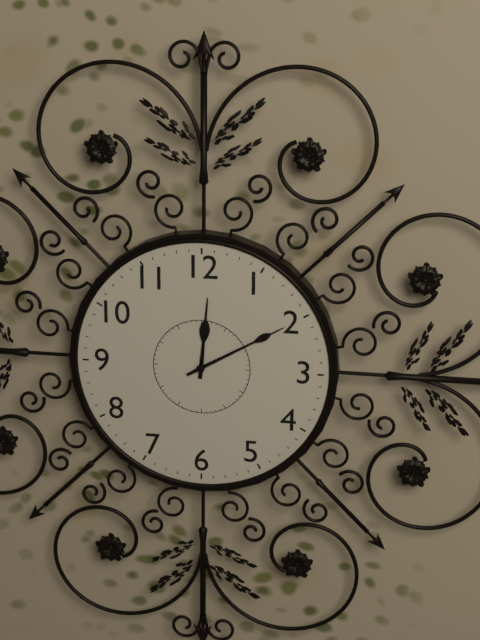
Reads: 12 h 10 min
